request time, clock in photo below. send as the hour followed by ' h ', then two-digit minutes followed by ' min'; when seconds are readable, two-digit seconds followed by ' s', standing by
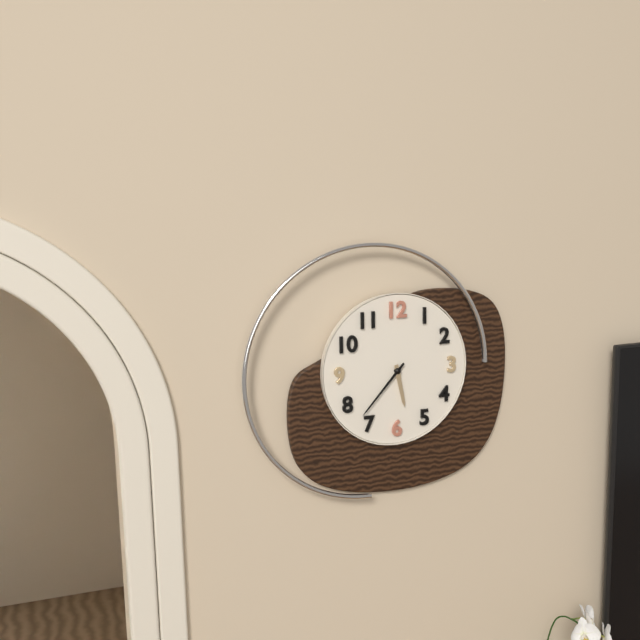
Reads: 5 h 37 min
